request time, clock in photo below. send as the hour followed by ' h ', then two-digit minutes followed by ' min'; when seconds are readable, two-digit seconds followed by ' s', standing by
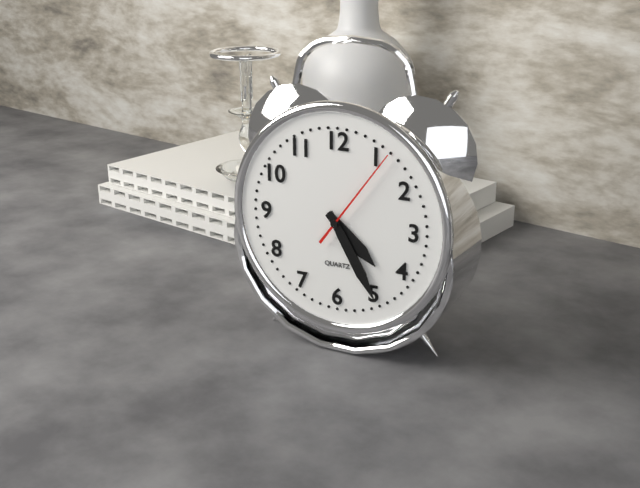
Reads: 4 h 25 min 06 s
